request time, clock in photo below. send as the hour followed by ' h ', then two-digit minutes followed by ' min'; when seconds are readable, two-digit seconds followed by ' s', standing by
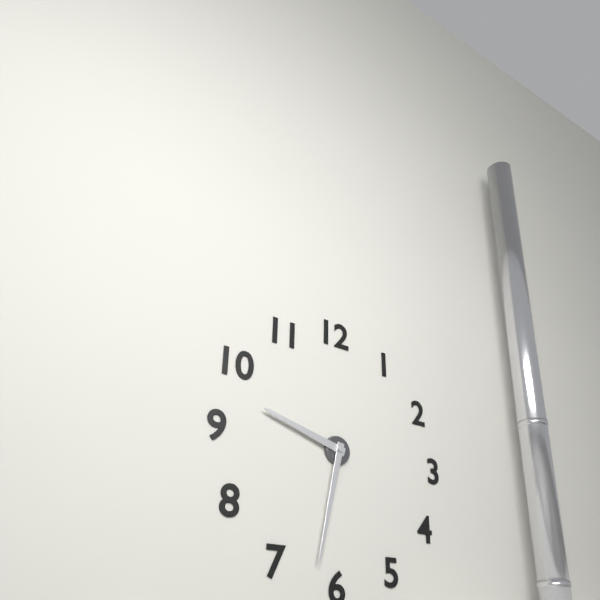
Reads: 9 h 32 min
